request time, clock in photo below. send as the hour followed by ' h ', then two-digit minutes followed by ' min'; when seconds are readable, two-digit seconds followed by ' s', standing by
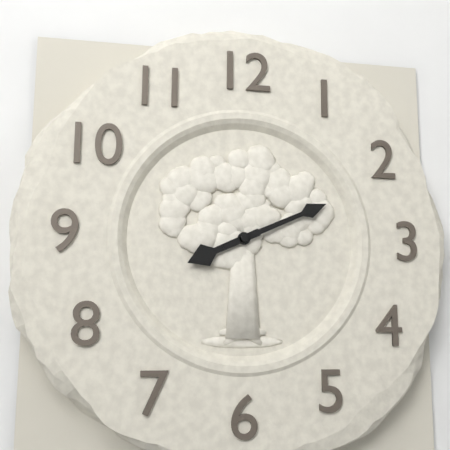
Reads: 8 h 11 min
